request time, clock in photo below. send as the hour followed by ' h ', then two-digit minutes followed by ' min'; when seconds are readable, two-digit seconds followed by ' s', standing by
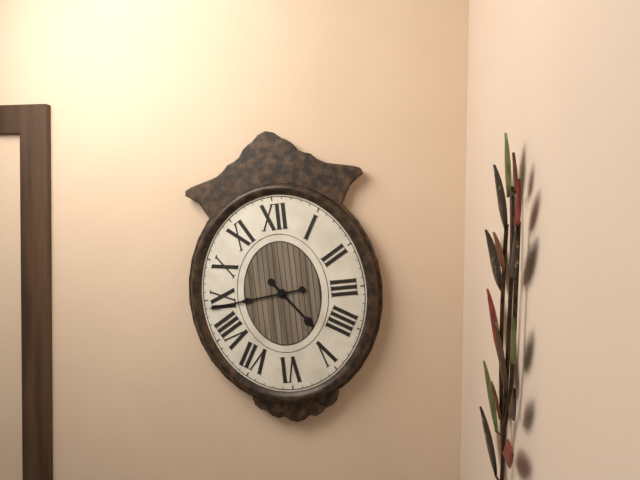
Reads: 4 h 44 min
